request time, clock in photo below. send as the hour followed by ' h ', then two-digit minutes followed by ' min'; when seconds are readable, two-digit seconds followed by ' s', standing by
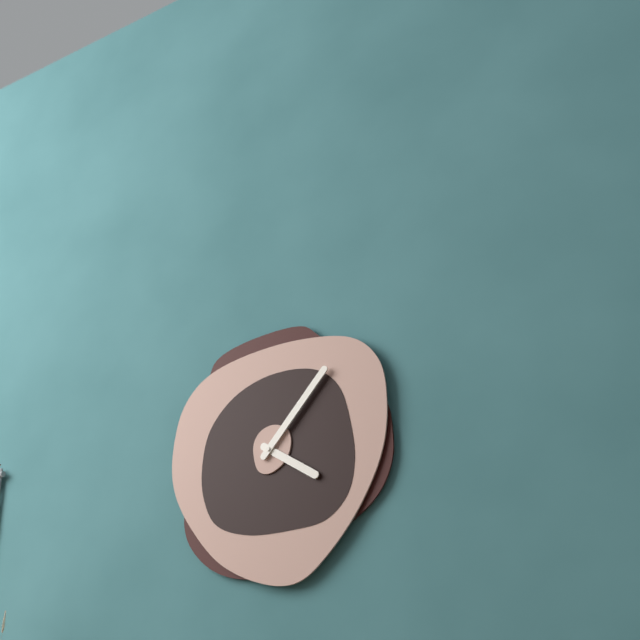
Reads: 4 h 07 min
